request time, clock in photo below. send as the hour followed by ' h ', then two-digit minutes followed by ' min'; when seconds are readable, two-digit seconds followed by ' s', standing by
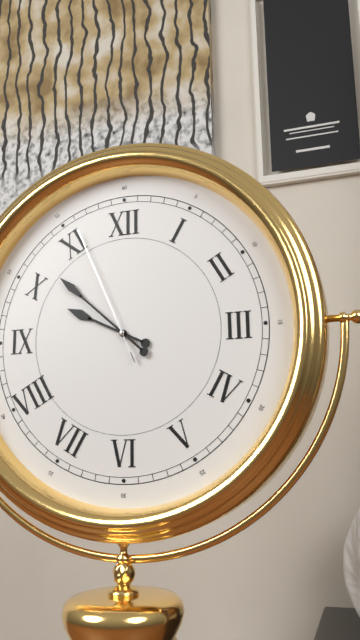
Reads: 9 h 52 min 56 s
